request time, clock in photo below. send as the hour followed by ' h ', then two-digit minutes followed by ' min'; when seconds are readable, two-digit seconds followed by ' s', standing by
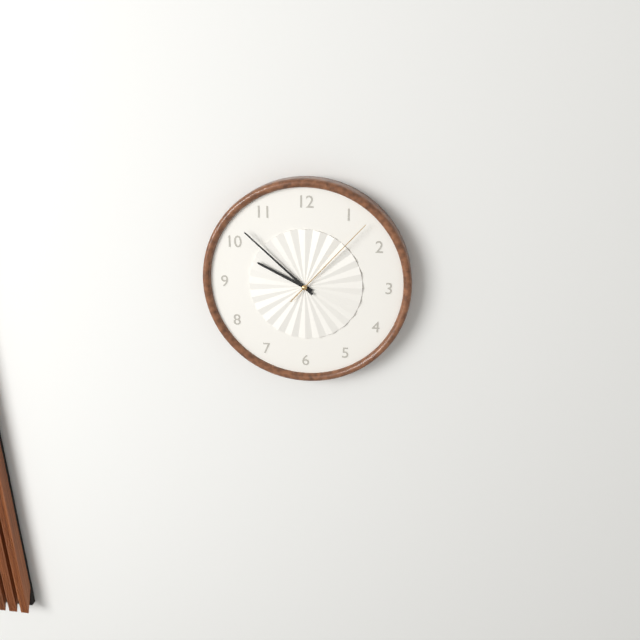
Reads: 9 h 52 min 07 s
